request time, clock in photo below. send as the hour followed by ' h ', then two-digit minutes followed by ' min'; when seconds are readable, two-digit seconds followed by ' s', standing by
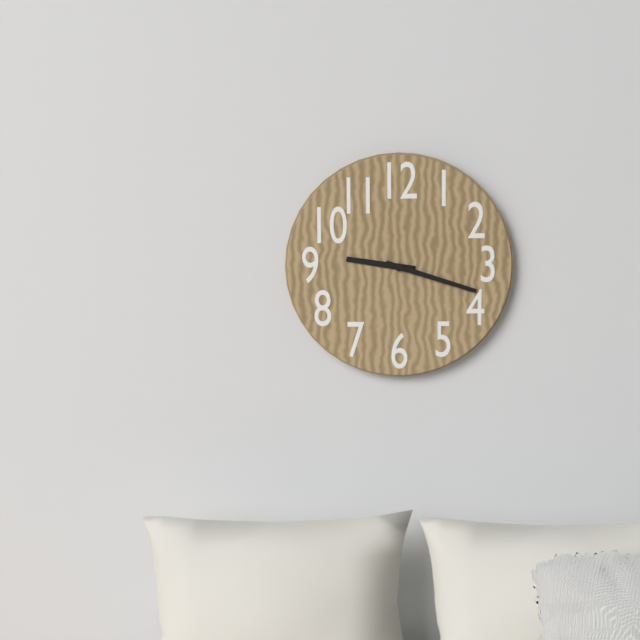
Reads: 9 h 18 min
